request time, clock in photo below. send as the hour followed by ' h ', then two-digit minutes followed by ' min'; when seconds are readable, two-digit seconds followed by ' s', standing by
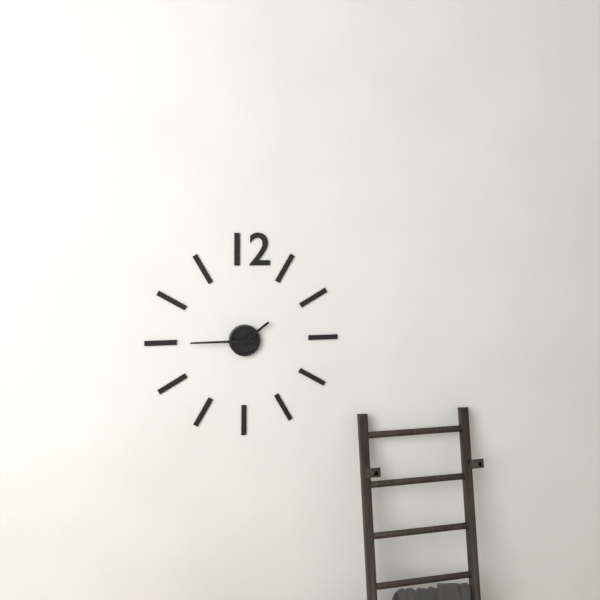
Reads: 1 h 45 min
